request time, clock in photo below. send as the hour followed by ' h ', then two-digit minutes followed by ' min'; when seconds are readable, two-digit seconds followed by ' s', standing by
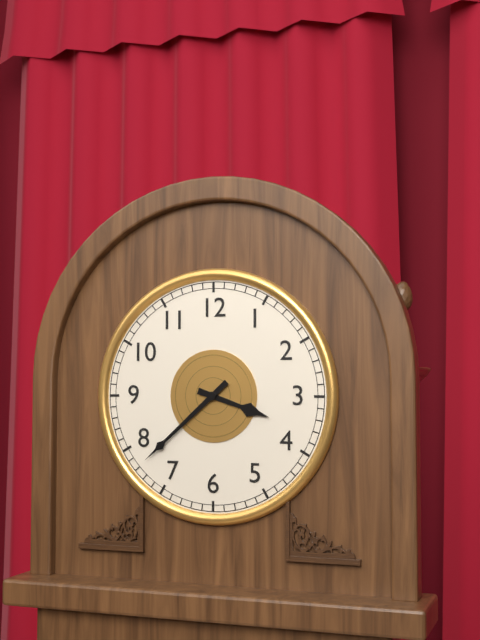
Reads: 3 h 38 min
